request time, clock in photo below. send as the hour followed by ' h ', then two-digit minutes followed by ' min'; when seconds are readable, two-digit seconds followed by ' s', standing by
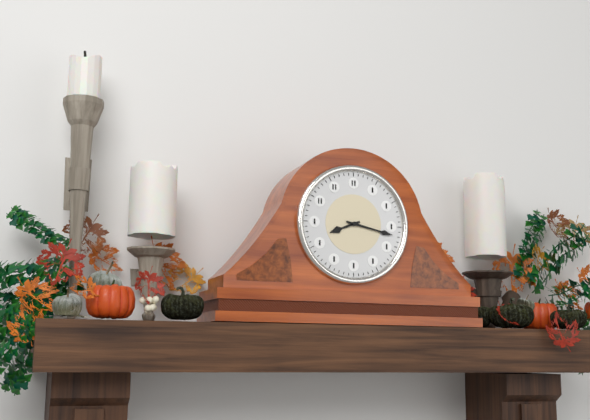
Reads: 8 h 17 min
